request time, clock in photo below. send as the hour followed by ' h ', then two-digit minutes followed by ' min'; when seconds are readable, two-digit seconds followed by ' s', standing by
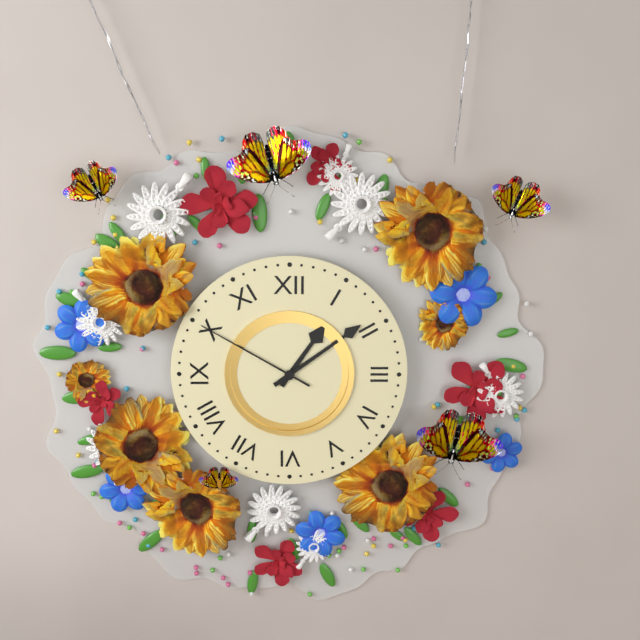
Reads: 1 h 09 min 50 s
